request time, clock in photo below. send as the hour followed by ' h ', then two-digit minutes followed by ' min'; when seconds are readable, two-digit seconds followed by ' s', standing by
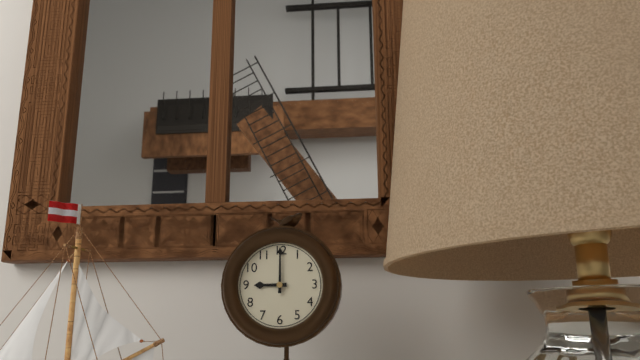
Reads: 9 h 00 min
